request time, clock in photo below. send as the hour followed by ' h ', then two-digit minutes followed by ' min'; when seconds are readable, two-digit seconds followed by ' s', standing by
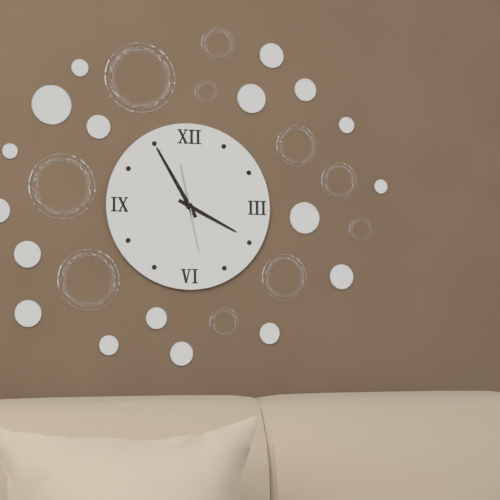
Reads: 3 h 55 min 28 s
